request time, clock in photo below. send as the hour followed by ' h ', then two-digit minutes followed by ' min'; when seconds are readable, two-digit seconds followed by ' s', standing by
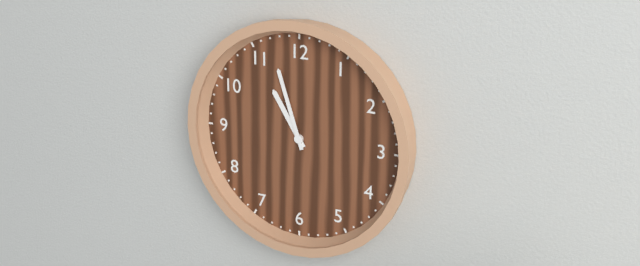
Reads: 10 h 57 min
